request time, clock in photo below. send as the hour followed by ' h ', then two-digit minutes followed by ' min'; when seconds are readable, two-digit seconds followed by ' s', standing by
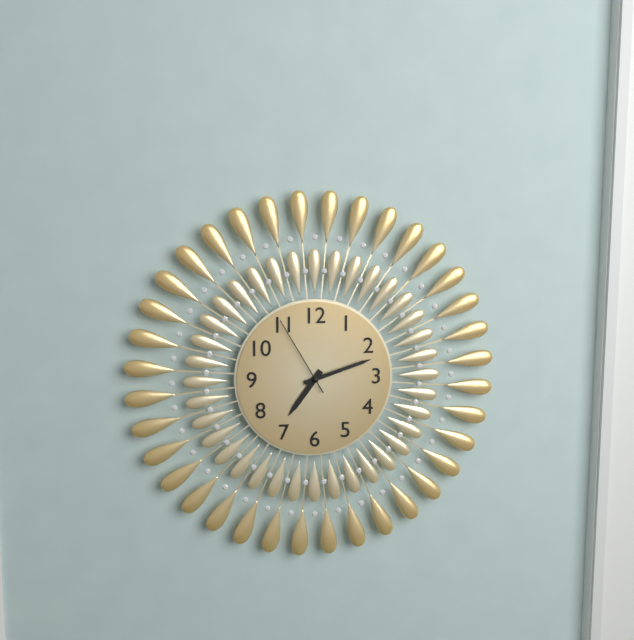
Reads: 7 h 12 min 55 s
